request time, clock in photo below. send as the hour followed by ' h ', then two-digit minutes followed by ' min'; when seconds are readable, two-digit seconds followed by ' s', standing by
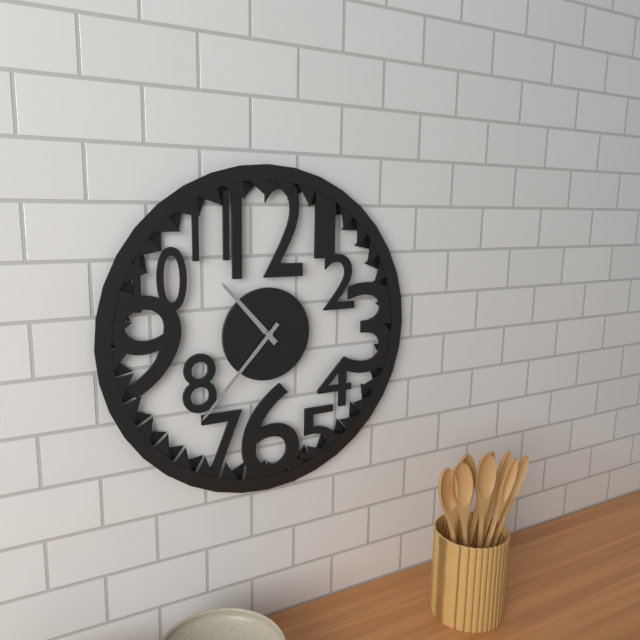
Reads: 10 h 37 min
